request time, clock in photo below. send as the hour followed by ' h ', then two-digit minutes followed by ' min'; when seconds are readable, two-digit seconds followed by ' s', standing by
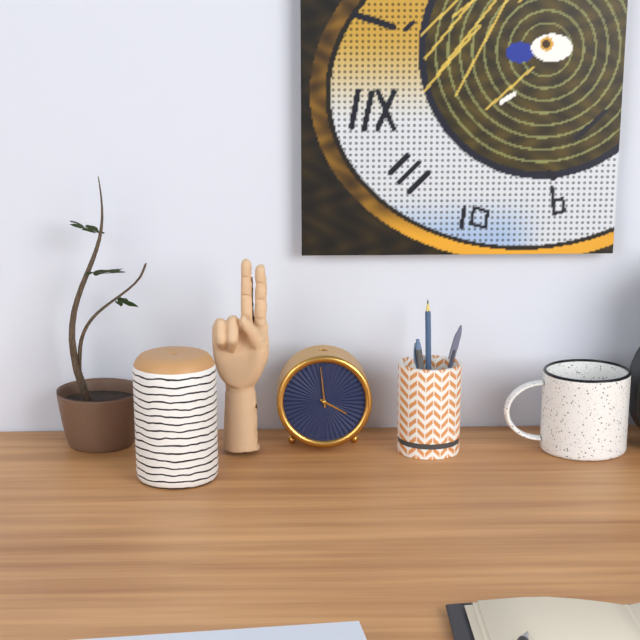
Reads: 3 h 59 min
